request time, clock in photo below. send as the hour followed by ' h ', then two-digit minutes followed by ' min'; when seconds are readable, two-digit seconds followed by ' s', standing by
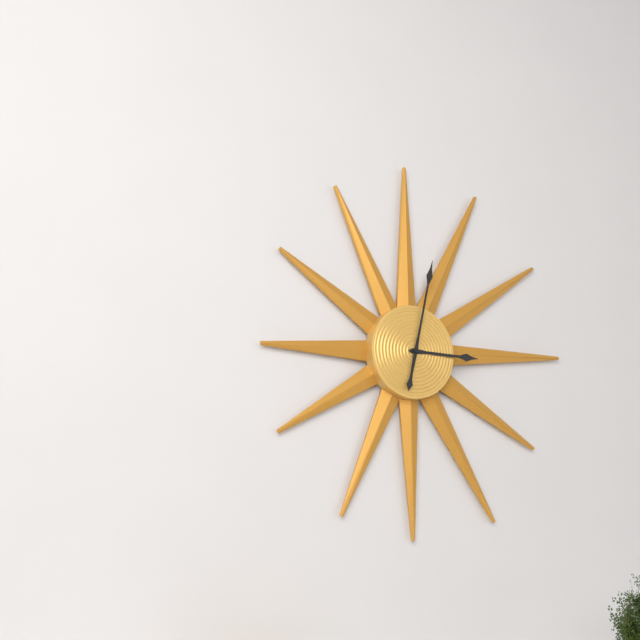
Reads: 3 h 02 min
